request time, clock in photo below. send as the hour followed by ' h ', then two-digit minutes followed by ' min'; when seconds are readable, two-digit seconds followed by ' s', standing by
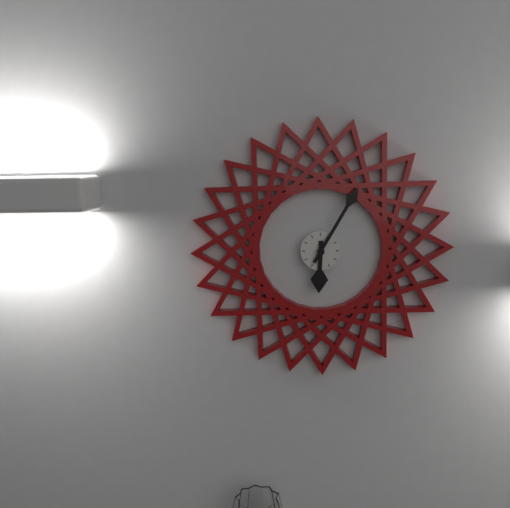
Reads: 6 h 05 min
